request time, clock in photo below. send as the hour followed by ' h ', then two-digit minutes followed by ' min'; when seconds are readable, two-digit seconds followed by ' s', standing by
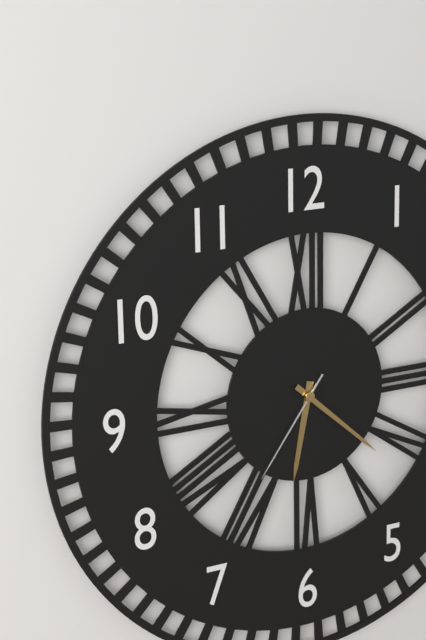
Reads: 6 h 22 min 36 s
